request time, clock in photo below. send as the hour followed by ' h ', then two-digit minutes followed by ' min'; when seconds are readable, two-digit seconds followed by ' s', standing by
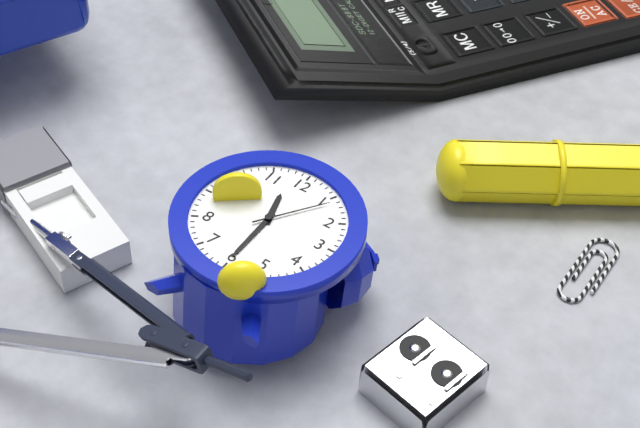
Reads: 11 h 30 min 06 s
